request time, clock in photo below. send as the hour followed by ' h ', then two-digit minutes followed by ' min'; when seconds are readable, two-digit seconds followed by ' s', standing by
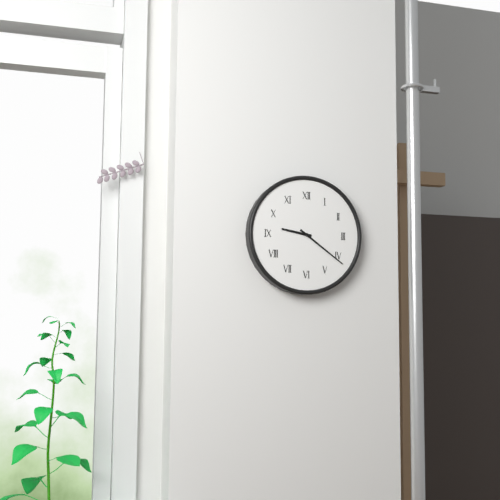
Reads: 9 h 21 min
